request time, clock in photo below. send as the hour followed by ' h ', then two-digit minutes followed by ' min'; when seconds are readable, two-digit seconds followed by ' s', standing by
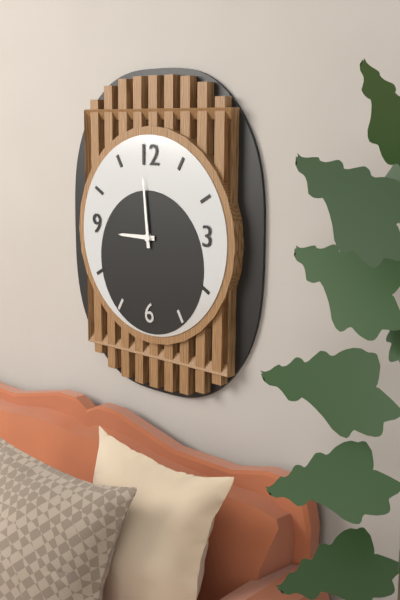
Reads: 8 h 59 min
